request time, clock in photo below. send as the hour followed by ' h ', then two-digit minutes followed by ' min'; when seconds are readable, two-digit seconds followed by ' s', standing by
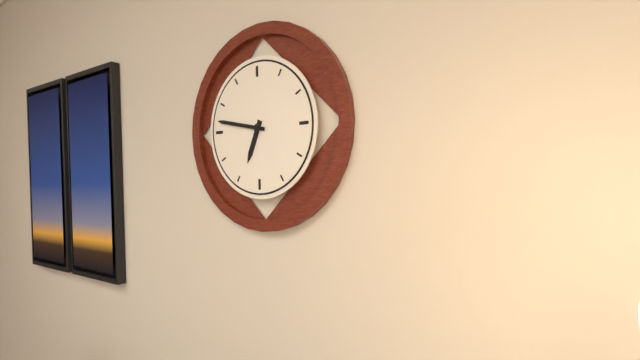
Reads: 6 h 47 min
